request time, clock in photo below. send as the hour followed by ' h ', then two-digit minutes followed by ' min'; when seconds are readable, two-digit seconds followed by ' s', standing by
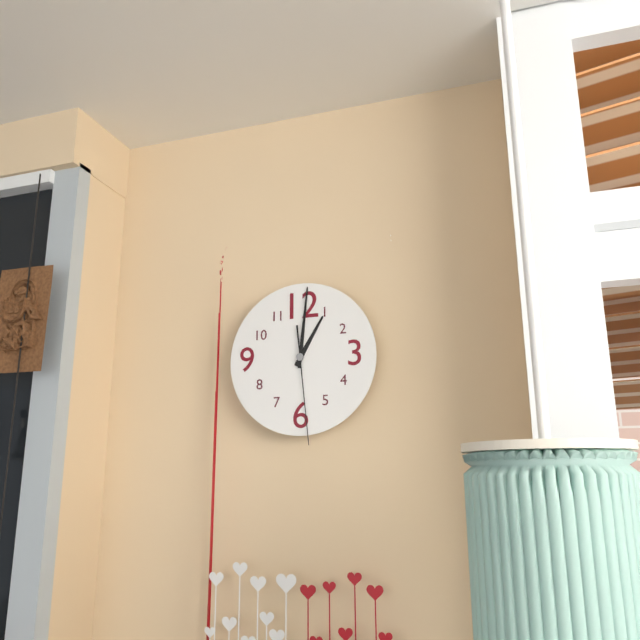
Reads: 1 h 01 min 29 s
